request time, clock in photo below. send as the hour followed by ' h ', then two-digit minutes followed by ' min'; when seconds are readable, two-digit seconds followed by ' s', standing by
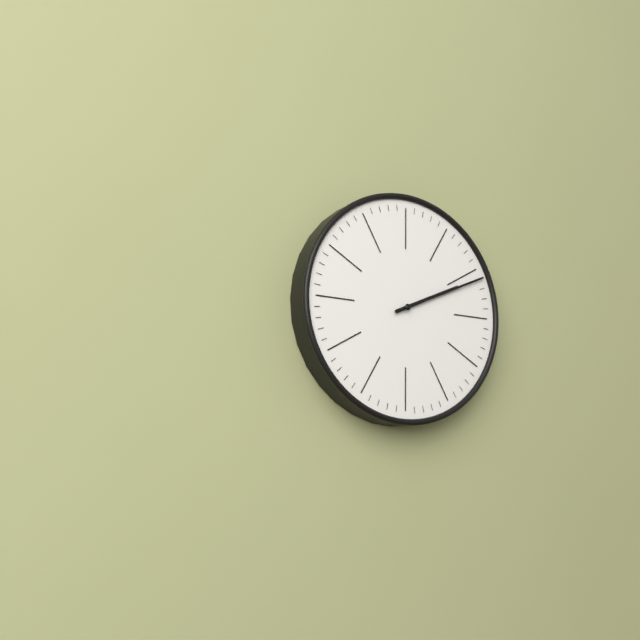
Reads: 2 h 11 min
